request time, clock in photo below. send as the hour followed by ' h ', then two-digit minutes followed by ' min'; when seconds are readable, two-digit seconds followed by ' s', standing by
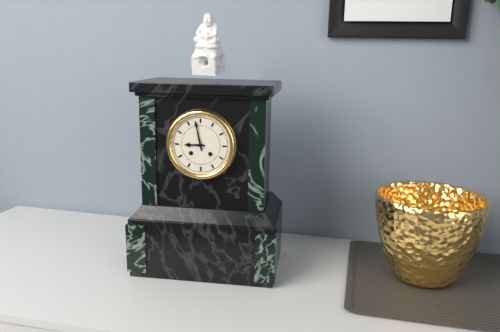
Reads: 8 h 58 min
